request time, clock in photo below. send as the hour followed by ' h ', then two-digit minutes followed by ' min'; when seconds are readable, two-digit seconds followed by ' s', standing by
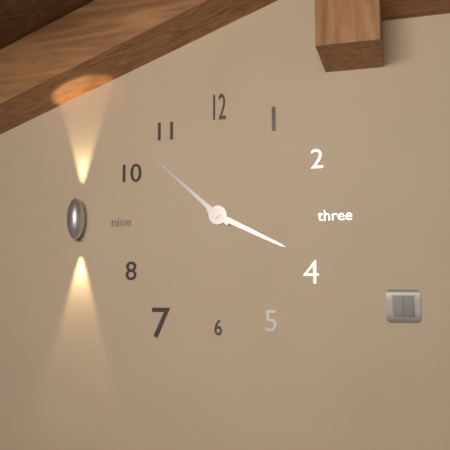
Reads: 3 h 52 min
